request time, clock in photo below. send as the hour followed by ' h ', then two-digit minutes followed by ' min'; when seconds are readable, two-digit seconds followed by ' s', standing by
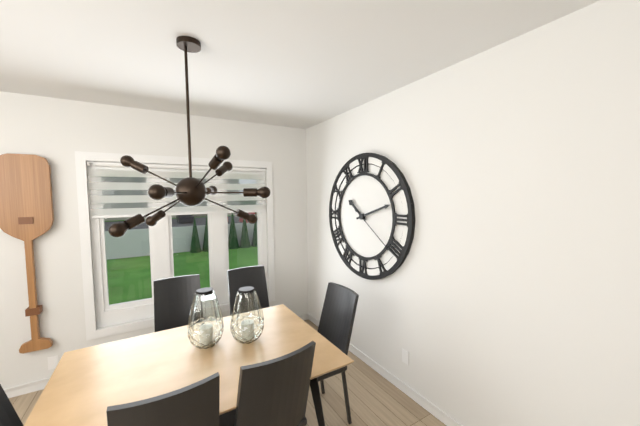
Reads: 10 h 12 min 21 s
